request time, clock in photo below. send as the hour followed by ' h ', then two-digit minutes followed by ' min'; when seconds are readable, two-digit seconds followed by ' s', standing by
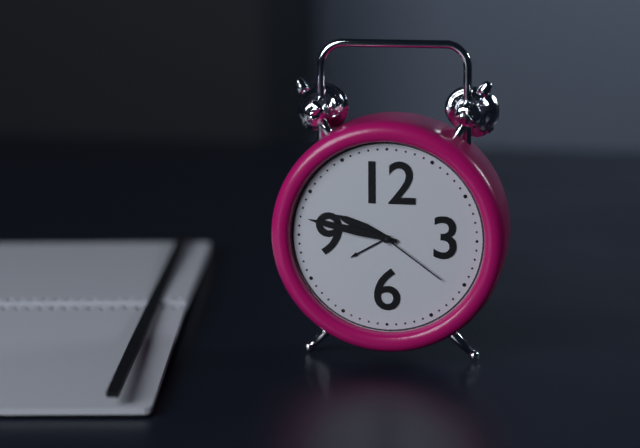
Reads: 9 h 47 min 21 s
